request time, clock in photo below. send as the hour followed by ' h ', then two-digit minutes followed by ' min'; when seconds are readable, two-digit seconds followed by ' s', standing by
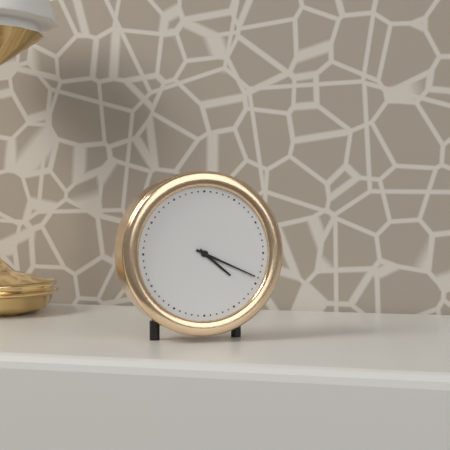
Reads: 4 h 19 min
